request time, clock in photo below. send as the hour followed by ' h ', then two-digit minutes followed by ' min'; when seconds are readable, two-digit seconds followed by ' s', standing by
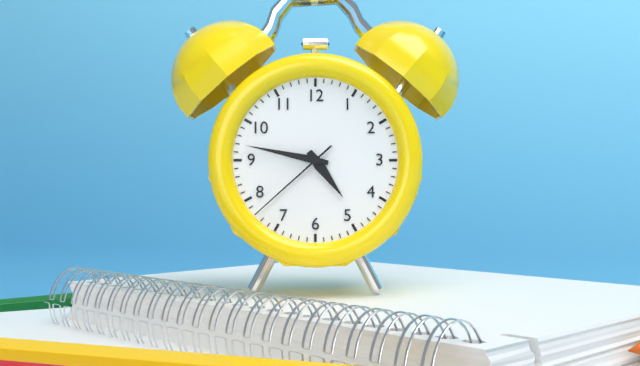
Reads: 4 h 47 min 38 s
